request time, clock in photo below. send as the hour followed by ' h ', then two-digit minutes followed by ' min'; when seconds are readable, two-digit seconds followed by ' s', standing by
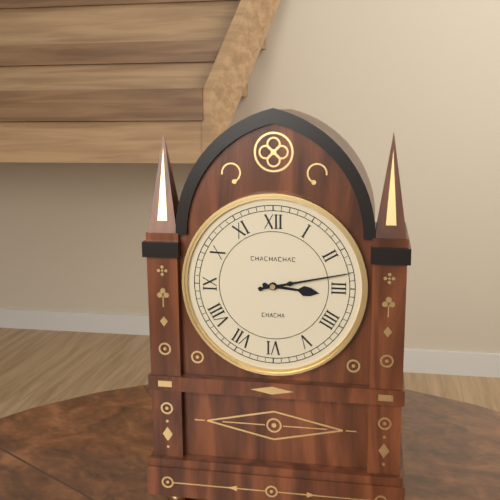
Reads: 3 h 13 min
